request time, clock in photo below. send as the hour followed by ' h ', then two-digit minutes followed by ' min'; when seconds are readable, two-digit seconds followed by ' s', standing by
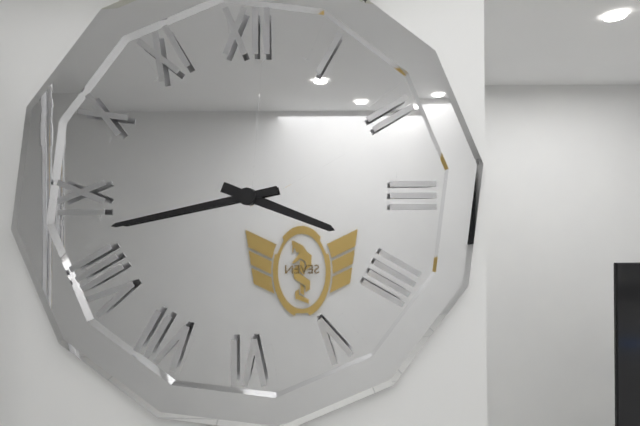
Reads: 3 h 43 min
